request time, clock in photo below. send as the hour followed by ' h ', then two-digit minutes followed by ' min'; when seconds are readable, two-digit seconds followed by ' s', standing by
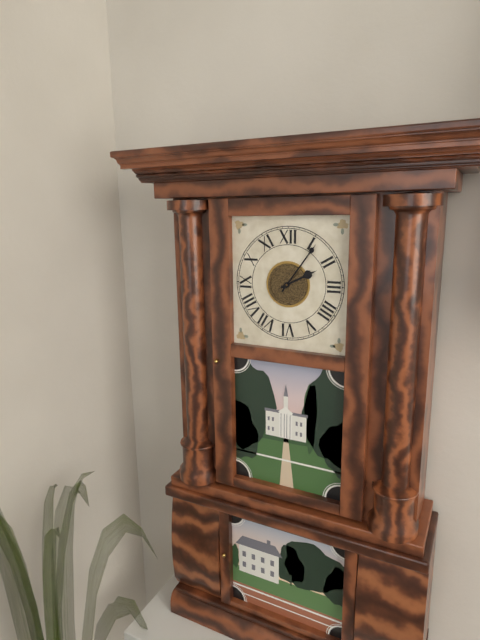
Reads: 2 h 06 min
